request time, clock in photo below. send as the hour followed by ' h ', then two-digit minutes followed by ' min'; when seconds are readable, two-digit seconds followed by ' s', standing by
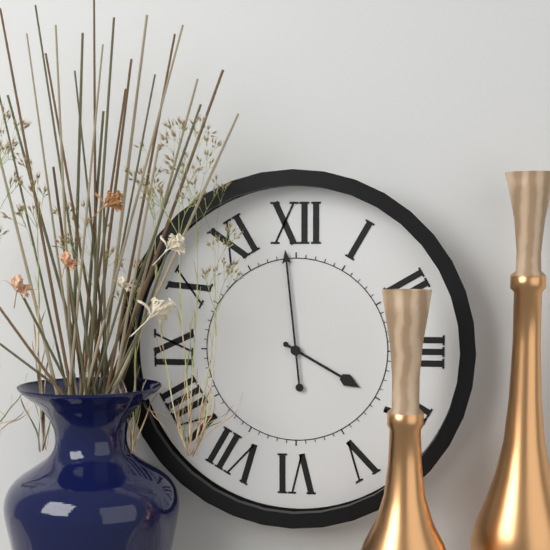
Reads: 3 h 59 min
